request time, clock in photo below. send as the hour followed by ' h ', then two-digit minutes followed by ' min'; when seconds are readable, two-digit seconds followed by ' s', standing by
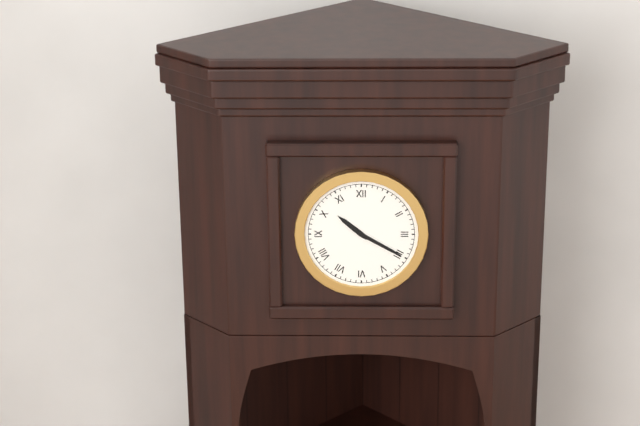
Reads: 10 h 20 min
